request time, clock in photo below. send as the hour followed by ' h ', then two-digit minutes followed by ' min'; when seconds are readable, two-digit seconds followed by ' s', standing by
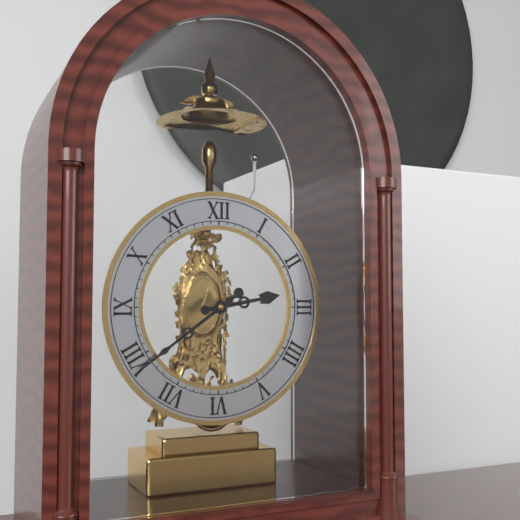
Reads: 2 h 39 min
